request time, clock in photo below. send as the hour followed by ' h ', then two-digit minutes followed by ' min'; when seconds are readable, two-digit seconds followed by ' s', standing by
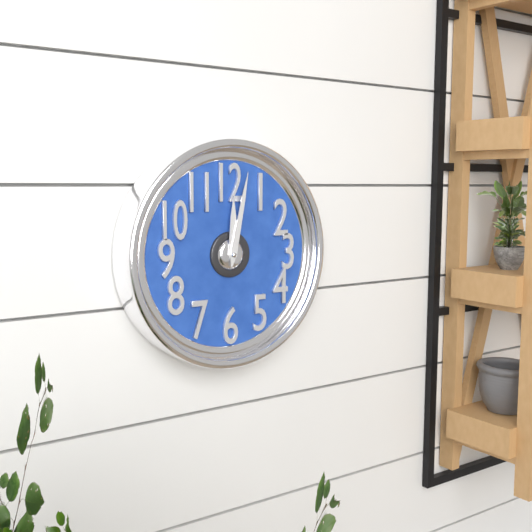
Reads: 12 h 02 min
